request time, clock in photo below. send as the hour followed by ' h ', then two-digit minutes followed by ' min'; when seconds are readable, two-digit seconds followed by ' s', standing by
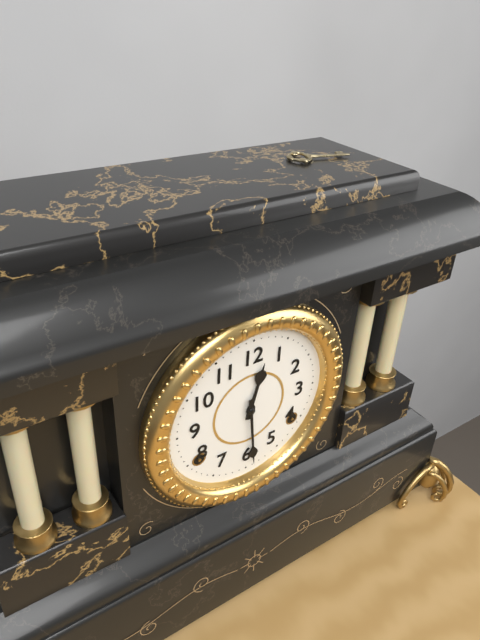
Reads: 12 h 29 min
